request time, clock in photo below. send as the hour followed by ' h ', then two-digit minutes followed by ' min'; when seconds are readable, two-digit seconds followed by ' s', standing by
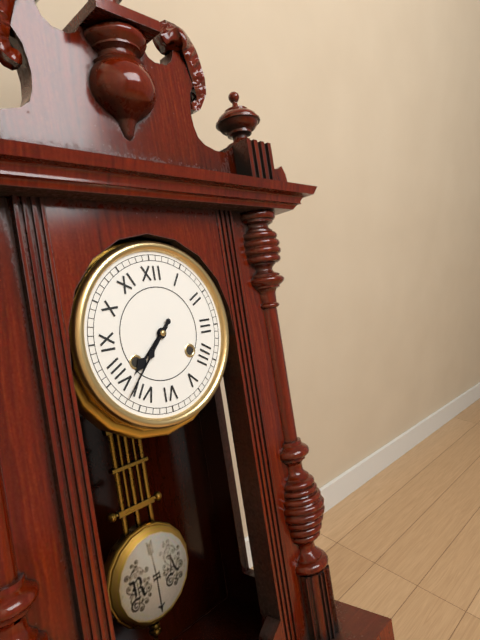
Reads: 7 h 37 min
